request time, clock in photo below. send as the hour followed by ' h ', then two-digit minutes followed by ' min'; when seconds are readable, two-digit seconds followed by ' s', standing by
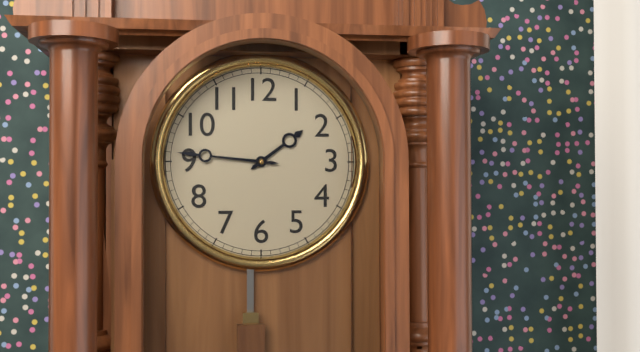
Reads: 1 h 46 min
